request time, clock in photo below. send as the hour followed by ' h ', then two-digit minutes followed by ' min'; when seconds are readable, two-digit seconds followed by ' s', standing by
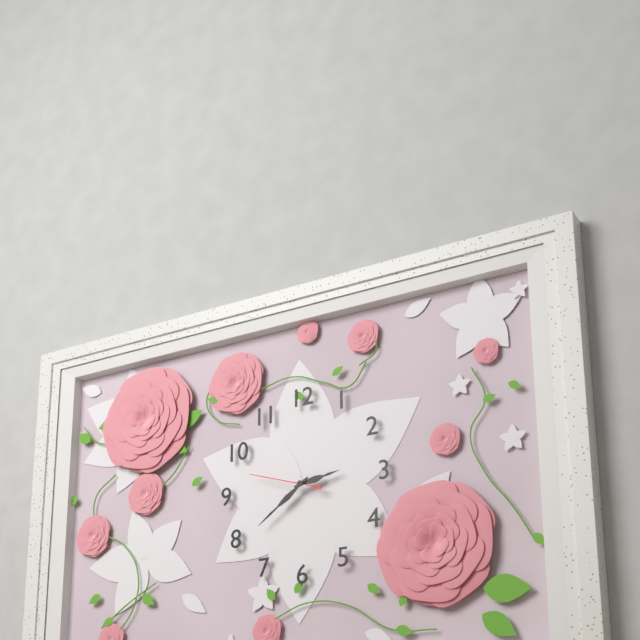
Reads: 2 h 39 min 48 s
